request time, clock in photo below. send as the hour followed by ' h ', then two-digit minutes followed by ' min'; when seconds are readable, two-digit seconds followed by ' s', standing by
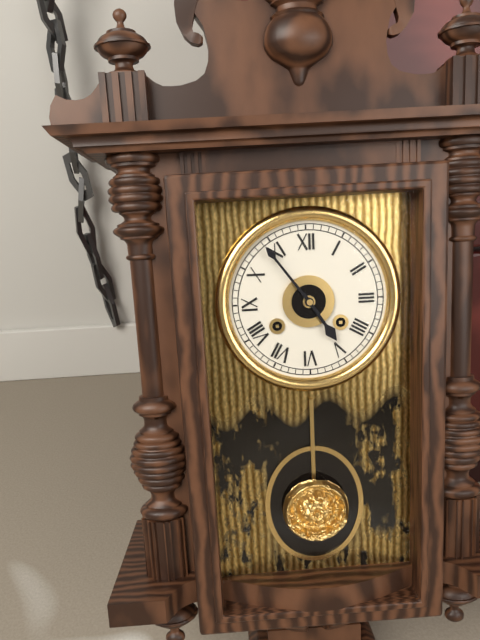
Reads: 4 h 54 min
